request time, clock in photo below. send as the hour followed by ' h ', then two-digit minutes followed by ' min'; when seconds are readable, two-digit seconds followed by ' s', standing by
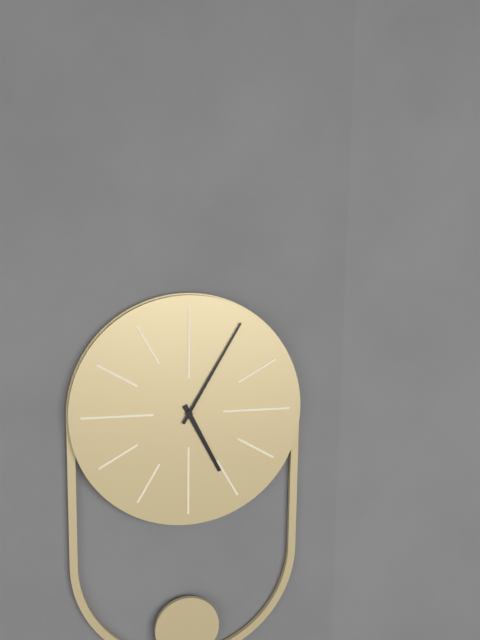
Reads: 5 h 05 min
